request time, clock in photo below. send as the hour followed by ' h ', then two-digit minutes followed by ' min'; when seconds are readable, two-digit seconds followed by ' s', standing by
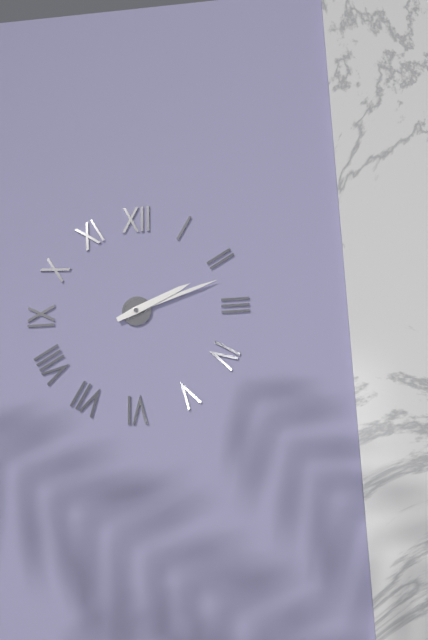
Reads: 2 h 12 min
